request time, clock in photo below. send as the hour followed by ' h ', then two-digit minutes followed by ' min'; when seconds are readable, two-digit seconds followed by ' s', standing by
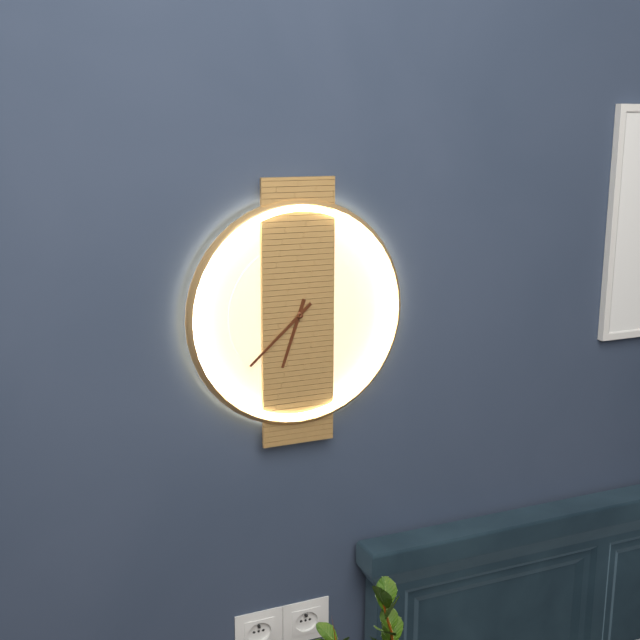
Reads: 6 h 38 min
